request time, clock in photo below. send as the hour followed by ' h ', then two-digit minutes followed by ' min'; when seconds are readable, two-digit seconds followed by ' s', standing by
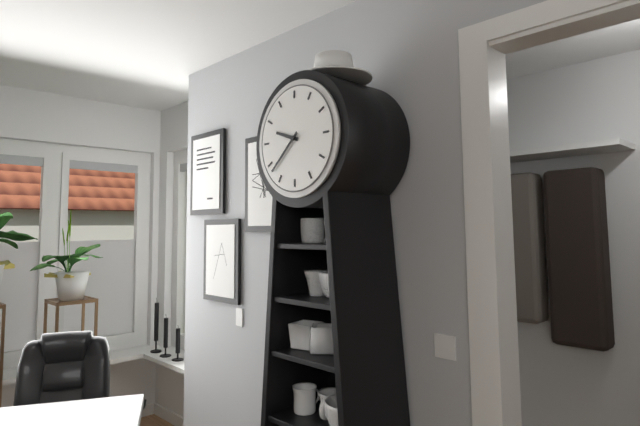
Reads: 9 h 38 min
